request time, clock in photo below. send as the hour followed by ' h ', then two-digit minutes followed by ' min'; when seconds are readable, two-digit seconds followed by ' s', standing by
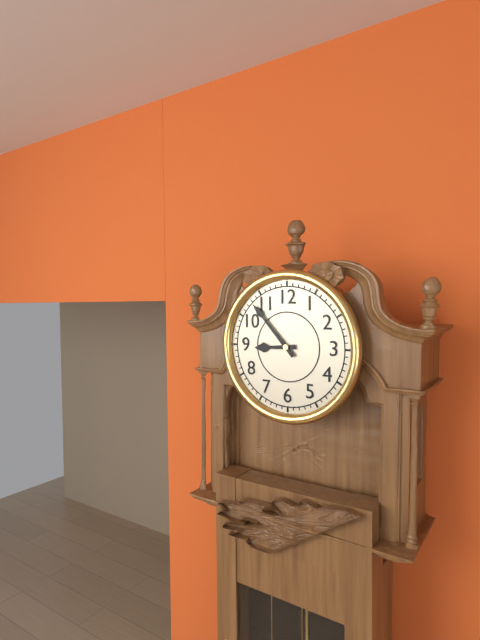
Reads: 8 h 53 min
